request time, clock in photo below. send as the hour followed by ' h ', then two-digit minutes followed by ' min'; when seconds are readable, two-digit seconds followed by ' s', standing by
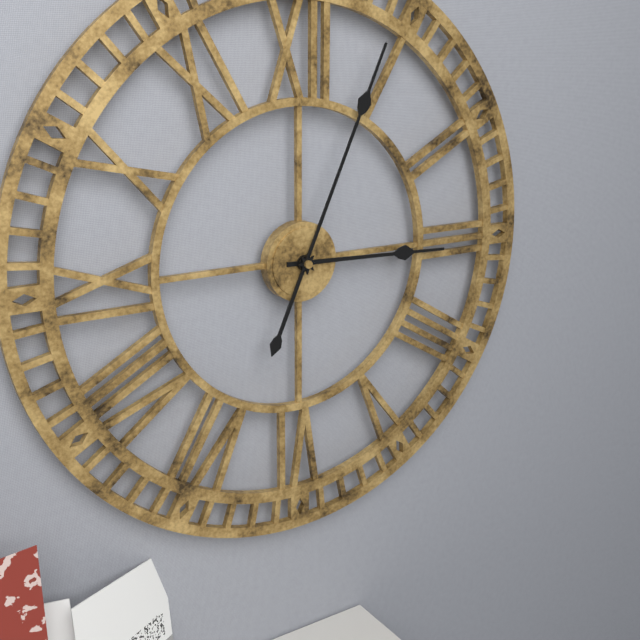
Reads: 3 h 04 min
